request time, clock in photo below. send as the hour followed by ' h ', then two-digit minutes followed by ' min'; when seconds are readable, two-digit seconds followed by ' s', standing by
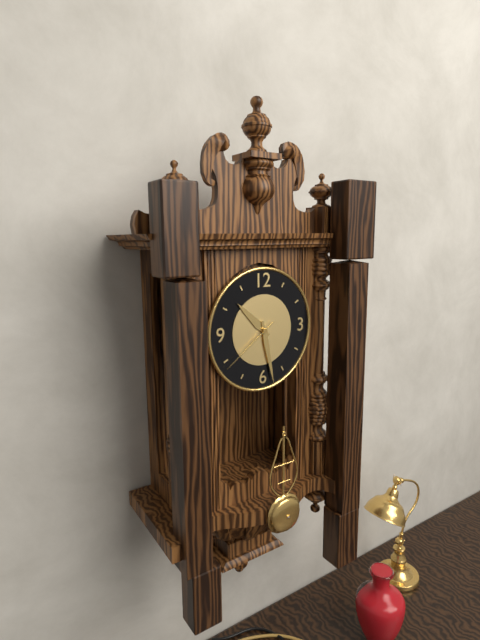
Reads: 10 h 28 min 39 s
